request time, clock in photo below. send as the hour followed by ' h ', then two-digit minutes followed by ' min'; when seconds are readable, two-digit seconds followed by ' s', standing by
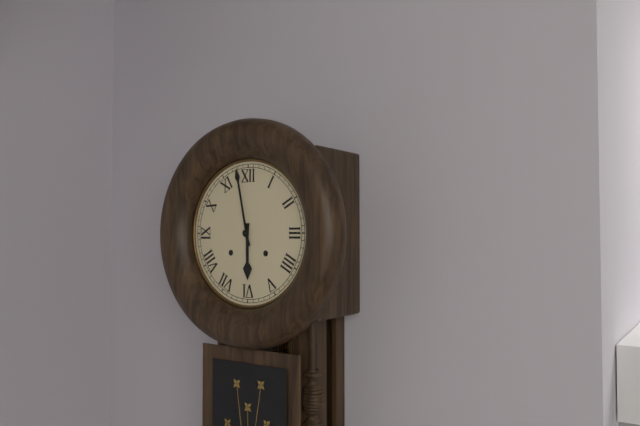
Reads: 5 h 58 min
